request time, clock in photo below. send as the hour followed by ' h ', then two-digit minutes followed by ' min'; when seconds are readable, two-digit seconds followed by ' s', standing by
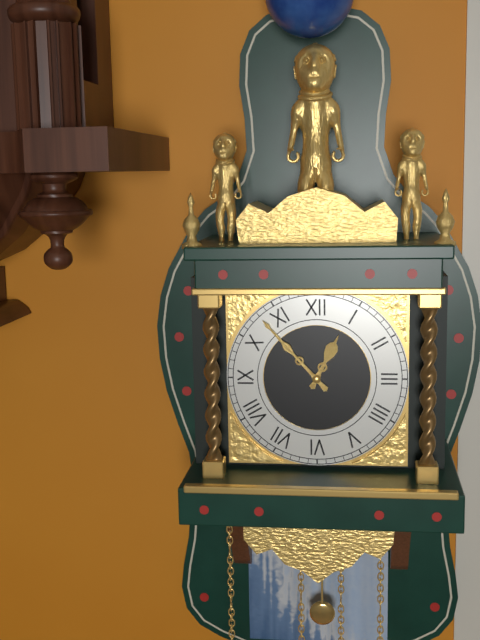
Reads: 12 h 53 min
